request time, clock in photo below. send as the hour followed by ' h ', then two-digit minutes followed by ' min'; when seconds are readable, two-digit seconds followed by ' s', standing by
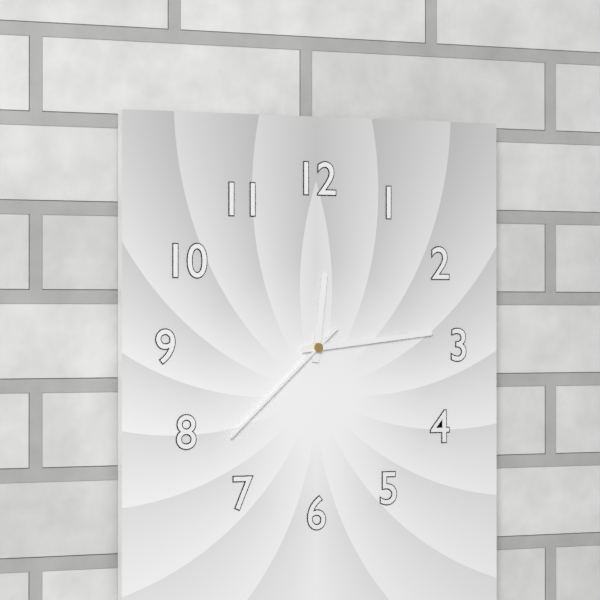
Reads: 12 h 14 min 38 s
